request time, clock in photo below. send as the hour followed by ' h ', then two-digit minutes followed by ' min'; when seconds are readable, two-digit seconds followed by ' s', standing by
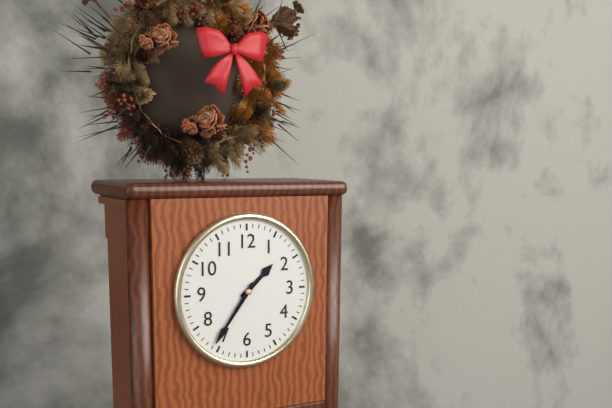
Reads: 1 h 36 min
